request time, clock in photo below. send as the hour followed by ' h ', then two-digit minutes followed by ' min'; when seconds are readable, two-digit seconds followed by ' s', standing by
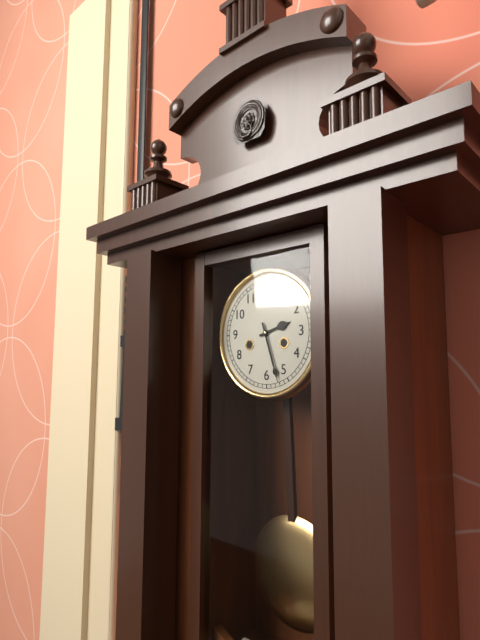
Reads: 2 h 27 min
